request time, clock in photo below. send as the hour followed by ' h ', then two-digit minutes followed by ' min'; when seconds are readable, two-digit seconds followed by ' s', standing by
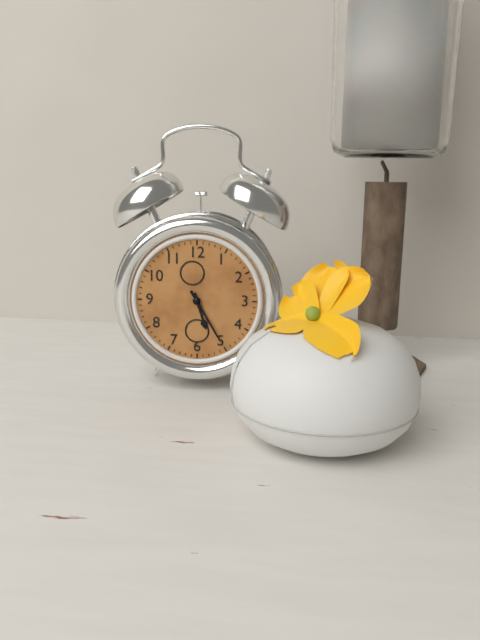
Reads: 5 h 25 min
